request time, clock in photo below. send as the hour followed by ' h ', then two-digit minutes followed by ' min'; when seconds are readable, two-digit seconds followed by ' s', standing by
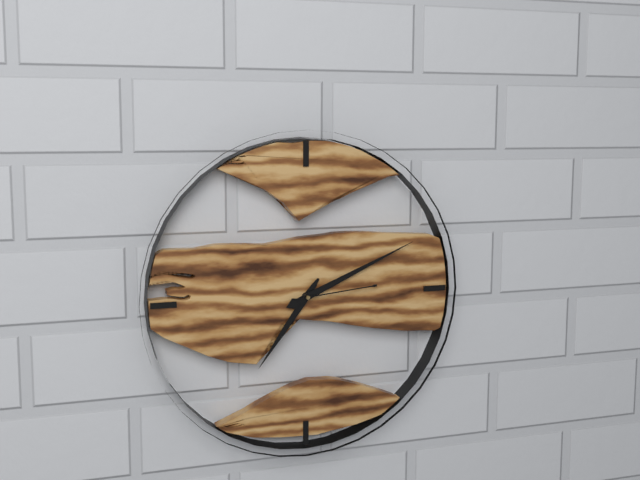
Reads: 7 h 11 min 14 s
